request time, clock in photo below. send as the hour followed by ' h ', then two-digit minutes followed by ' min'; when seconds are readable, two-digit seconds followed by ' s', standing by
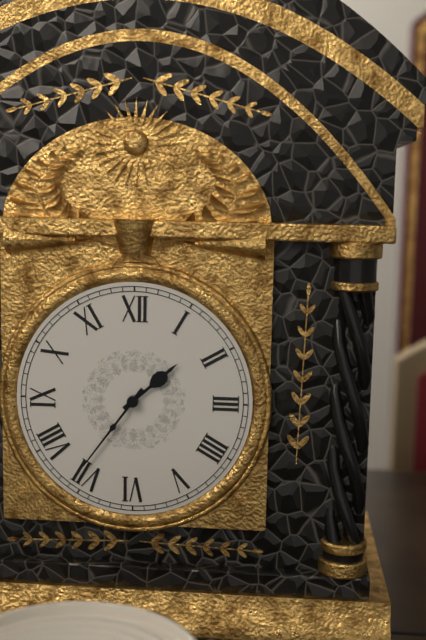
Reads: 1 h 36 min
